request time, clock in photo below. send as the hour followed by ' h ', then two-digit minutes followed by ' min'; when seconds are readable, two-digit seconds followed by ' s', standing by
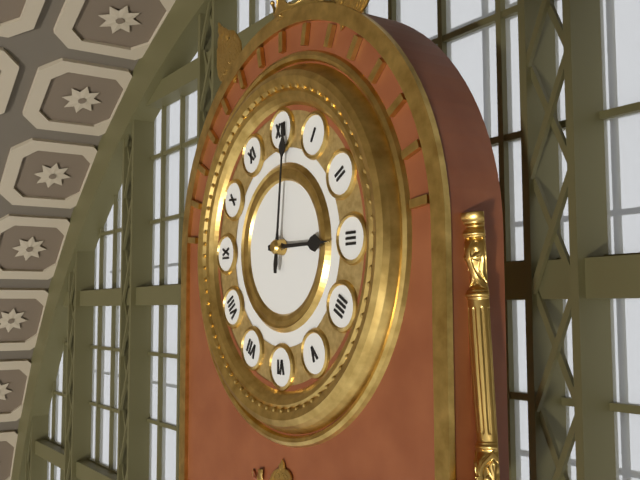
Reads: 3 h 01 min
